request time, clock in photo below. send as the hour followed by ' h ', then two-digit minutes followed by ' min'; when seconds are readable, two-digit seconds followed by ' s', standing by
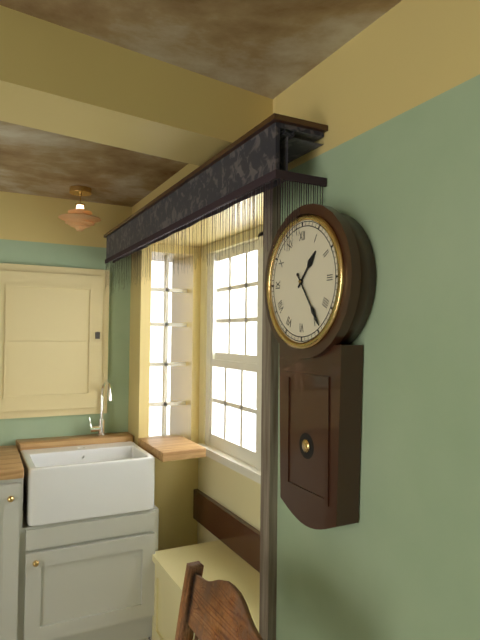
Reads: 1 h 24 min
